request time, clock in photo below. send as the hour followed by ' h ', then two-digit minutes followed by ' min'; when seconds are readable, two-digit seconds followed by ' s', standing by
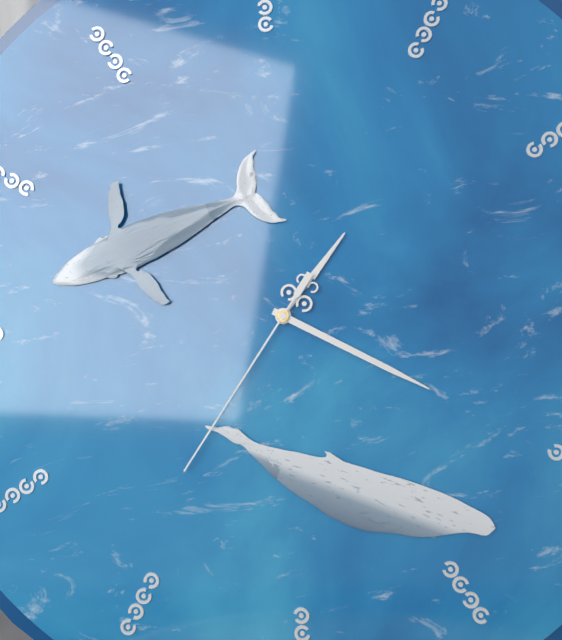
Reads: 1 h 20 min 36 s
